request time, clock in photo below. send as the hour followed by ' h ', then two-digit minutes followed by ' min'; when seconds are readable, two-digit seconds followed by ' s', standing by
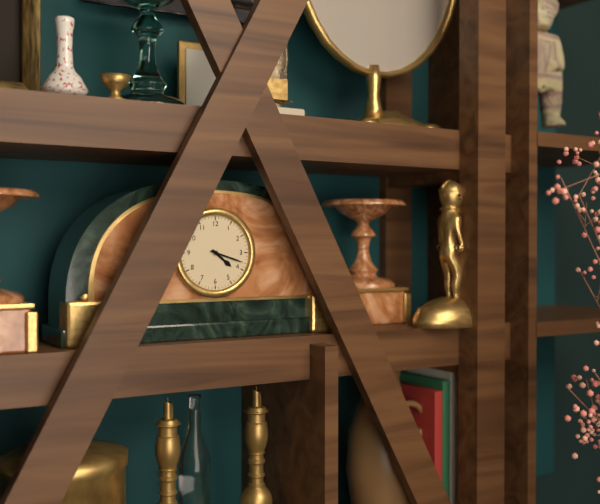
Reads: 4 h 18 min
